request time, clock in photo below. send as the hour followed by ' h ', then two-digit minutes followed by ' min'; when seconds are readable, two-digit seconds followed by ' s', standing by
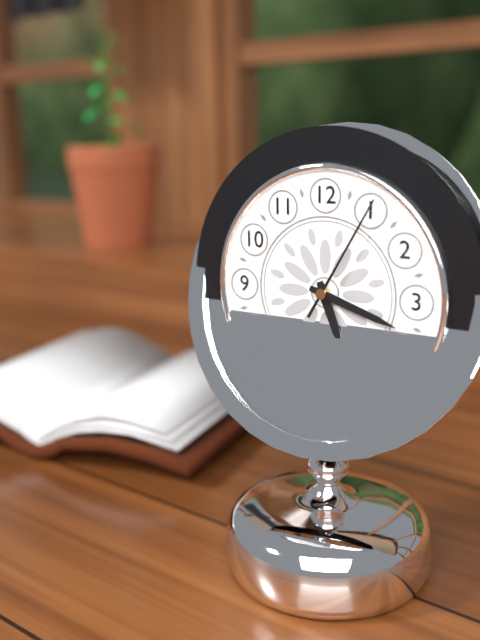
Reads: 5 h 18 min 05 s
